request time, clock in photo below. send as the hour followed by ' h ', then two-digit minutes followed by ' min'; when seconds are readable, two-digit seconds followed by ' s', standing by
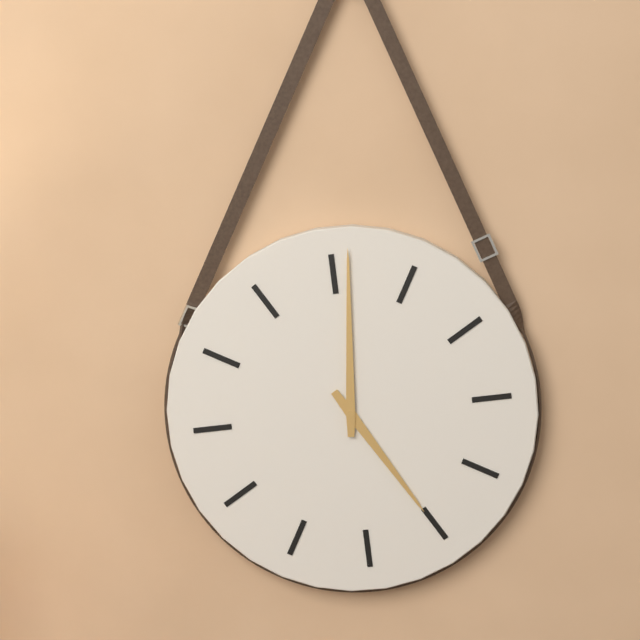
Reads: 5 h 01 min
